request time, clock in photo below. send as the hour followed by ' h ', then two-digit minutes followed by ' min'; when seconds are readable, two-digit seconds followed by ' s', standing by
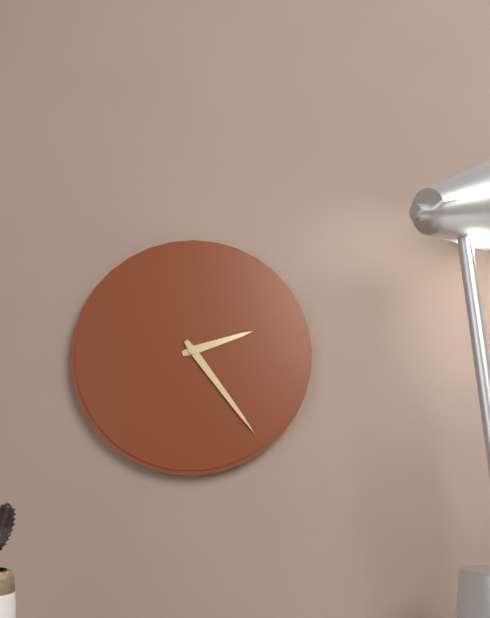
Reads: 2 h 24 min
